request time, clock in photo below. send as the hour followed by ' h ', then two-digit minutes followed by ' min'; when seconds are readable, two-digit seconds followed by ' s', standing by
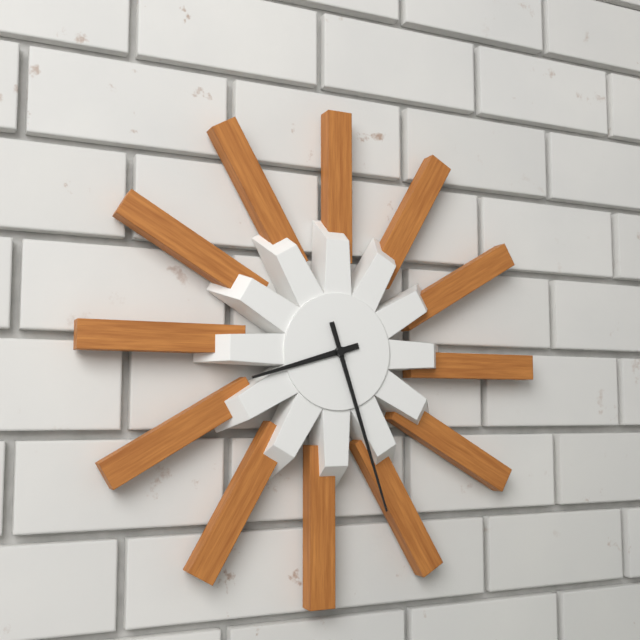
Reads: 8 h 27 min
